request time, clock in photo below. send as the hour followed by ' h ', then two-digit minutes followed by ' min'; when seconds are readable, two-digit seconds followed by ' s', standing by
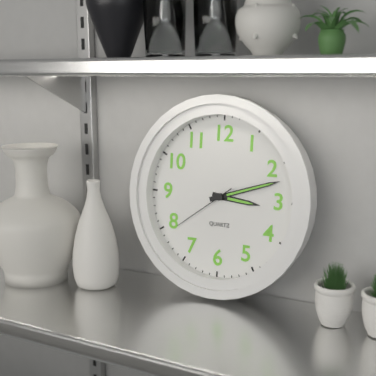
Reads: 3 h 12 min 39 s
